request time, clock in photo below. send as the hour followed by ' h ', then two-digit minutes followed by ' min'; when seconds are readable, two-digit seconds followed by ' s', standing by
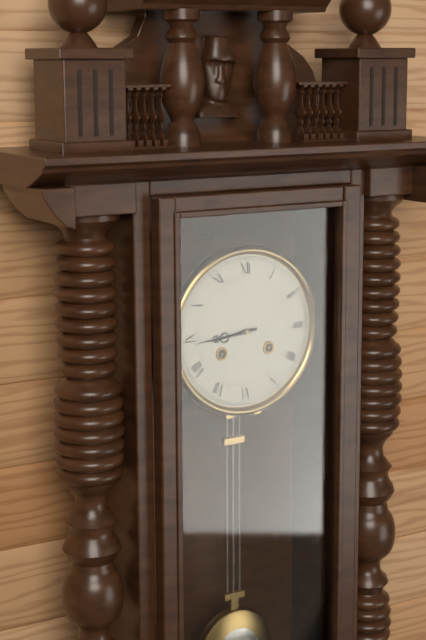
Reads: 8 h 44 min
